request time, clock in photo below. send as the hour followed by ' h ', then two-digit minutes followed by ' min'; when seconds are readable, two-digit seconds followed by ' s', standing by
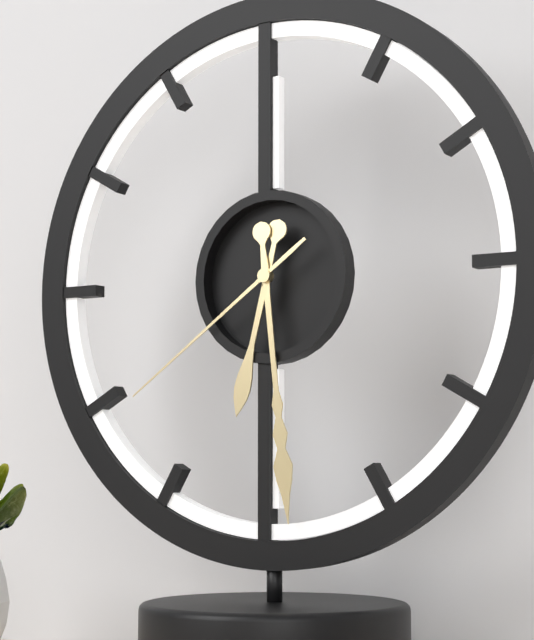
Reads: 6 h 29 min 39 s
